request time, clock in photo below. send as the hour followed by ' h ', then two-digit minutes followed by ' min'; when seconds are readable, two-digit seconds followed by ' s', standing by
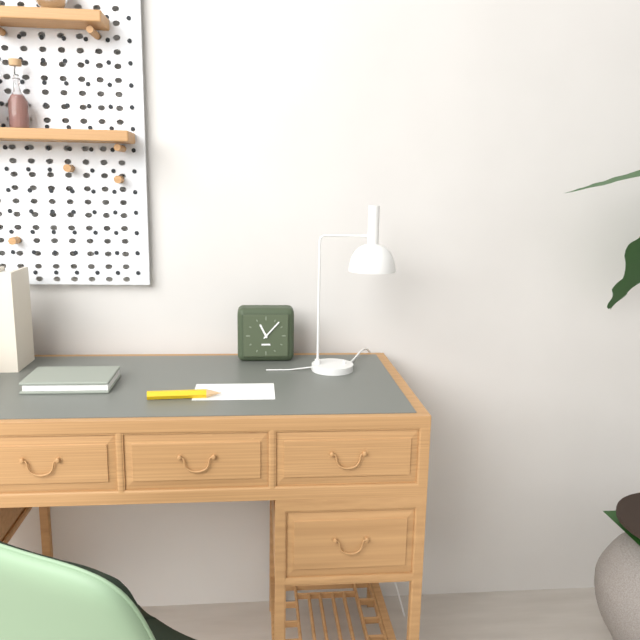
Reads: 11 h 07 min
